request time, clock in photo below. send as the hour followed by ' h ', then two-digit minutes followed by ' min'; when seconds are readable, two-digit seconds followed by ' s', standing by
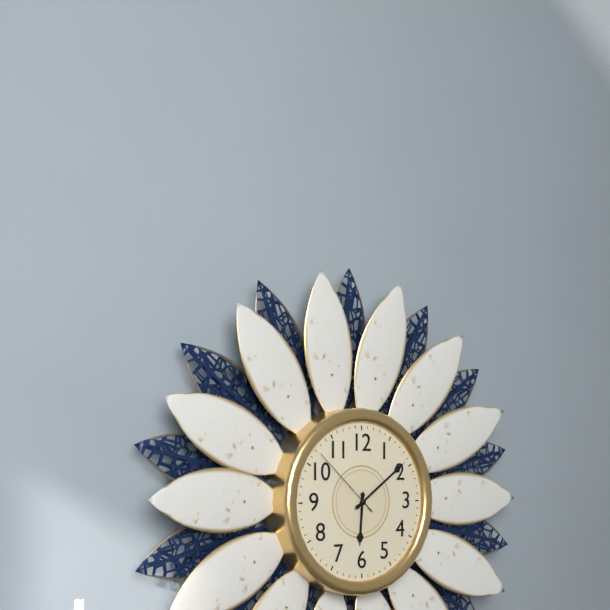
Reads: 6 h 09 min 52 s
